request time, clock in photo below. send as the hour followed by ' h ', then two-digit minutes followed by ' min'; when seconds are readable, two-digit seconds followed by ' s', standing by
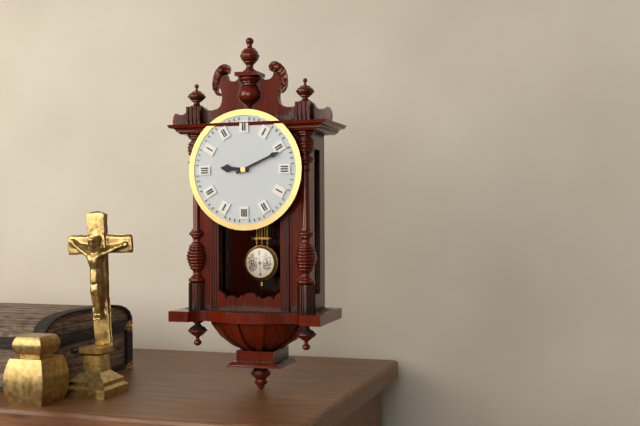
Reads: 9 h 11 min
